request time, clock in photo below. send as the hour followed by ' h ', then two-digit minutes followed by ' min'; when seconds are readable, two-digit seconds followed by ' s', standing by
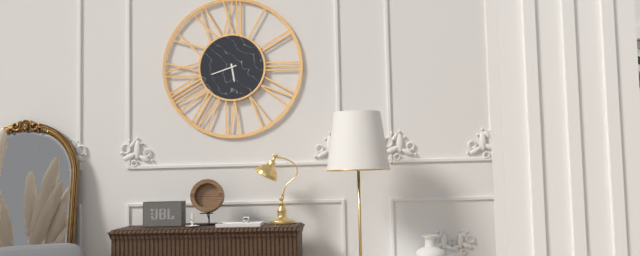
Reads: 5 h 42 min
